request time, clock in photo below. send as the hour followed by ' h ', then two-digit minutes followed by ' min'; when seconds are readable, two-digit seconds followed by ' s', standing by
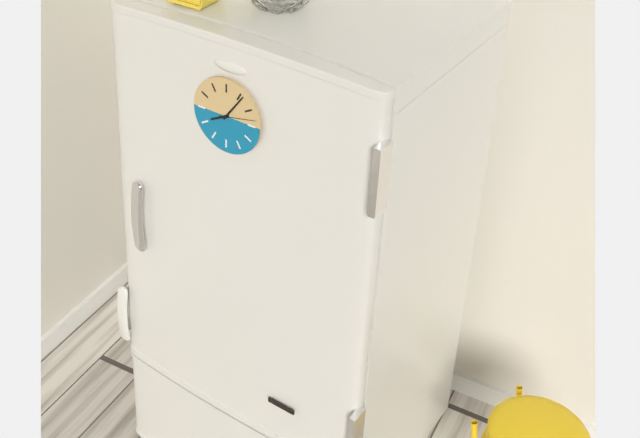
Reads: 8 h 06 min
